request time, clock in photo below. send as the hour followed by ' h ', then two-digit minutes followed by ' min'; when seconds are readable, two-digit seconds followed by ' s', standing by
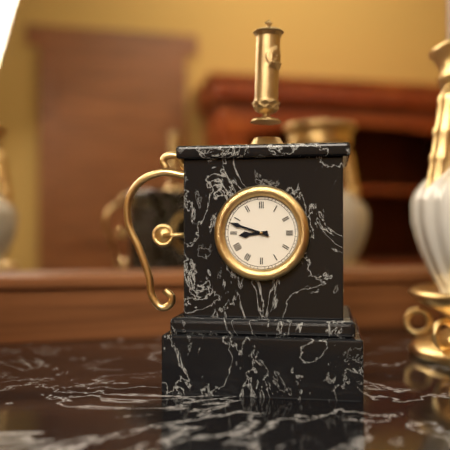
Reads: 8 h 48 min
